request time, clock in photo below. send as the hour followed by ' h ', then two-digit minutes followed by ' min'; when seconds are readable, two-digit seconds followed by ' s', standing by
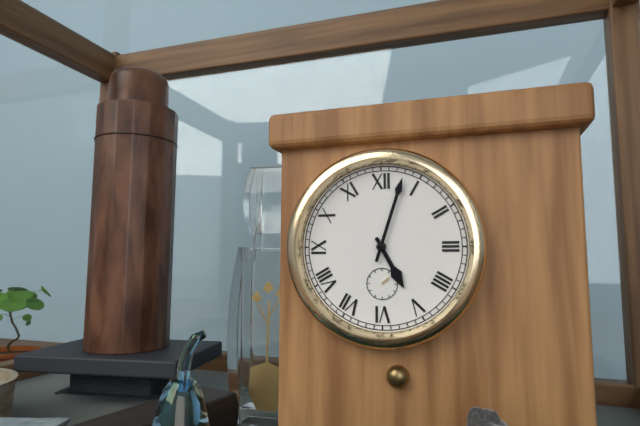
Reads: 5 h 03 min
